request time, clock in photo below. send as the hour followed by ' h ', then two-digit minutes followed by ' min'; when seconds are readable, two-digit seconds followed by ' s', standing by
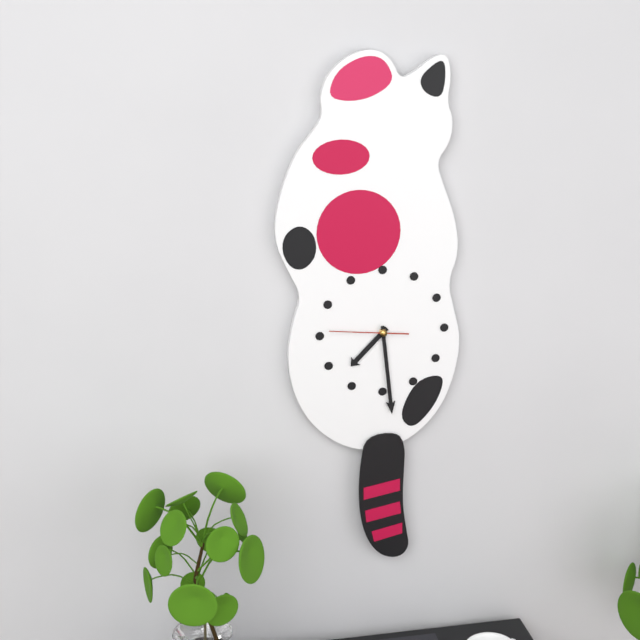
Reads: 7 h 29 min 46 s
